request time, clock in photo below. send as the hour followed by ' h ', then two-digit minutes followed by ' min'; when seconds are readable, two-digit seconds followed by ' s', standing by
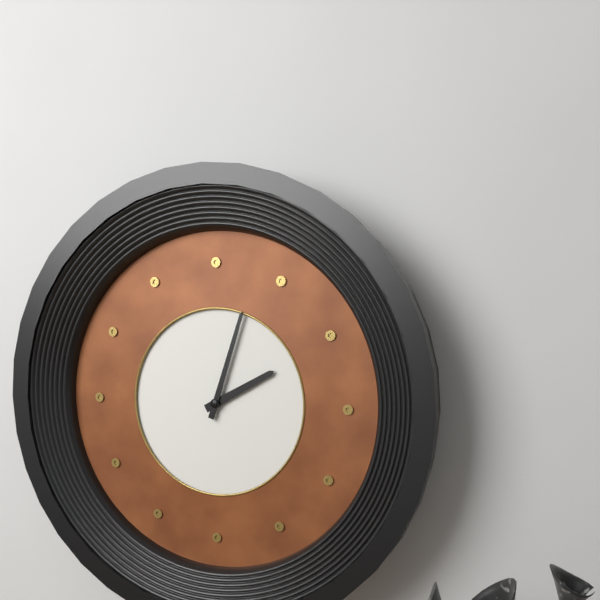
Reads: 2 h 03 min
